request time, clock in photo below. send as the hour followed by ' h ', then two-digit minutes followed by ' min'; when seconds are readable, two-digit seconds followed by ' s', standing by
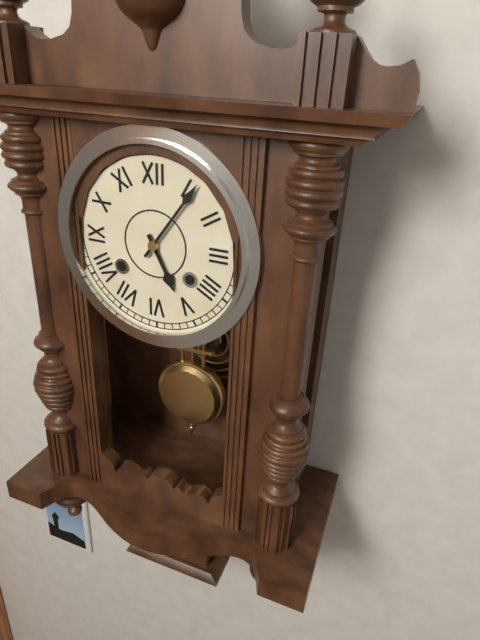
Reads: 5 h 06 min
